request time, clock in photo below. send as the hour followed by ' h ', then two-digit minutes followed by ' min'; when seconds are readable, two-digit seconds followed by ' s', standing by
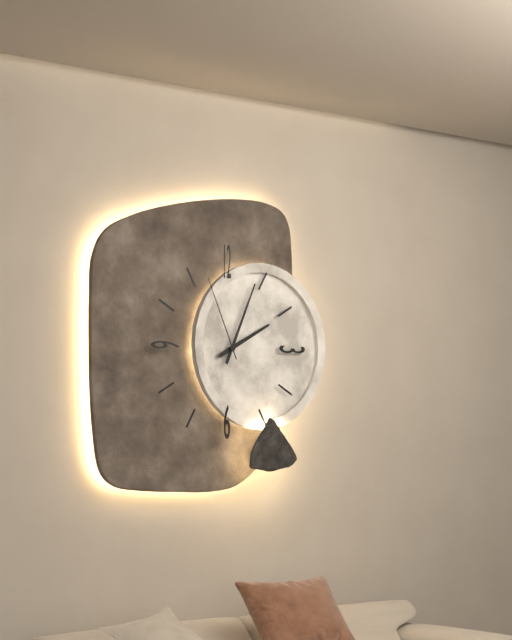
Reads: 2 h 04 min 56 s
